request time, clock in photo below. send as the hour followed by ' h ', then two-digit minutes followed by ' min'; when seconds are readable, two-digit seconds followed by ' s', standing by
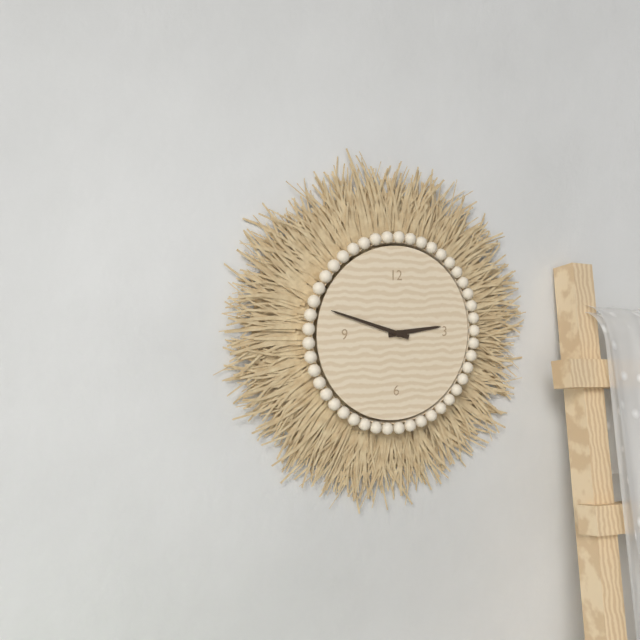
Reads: 2 h 48 min
